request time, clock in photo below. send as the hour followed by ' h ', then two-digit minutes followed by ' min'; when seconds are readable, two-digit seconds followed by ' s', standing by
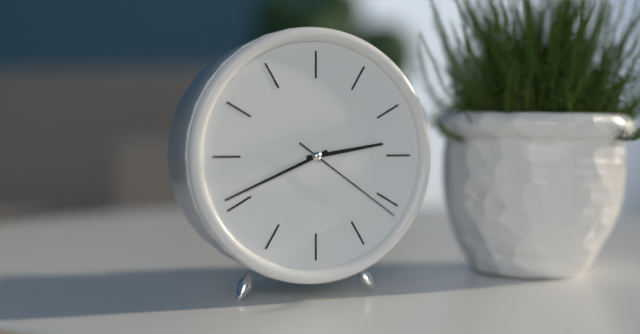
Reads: 2 h 41 min 21 s
